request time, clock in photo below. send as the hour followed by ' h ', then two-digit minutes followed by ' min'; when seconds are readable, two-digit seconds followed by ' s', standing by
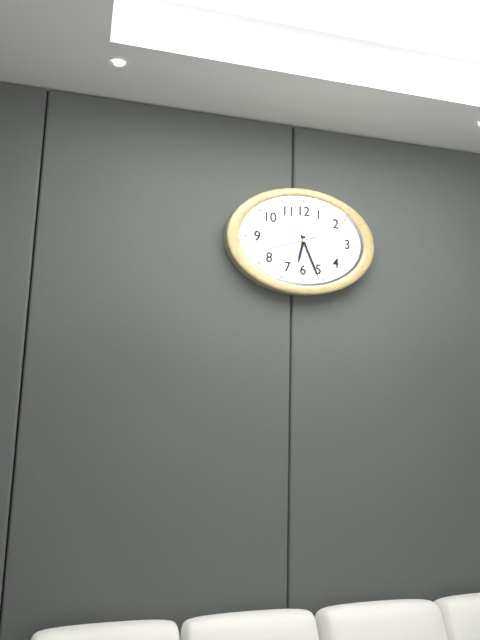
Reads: 6 h 26 min
